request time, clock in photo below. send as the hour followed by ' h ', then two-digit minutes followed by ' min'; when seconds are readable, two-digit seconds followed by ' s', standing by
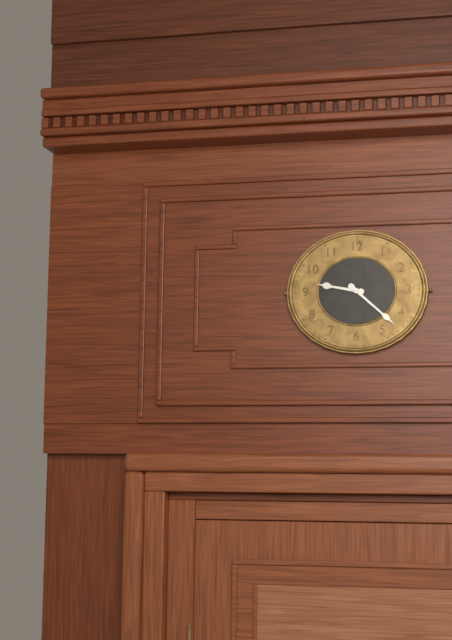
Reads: 9 h 22 min
